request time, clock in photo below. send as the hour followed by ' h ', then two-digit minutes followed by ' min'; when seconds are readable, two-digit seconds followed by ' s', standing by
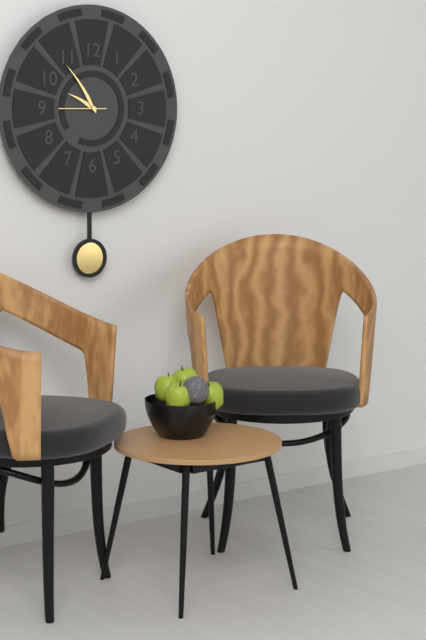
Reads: 9 h 54 min
